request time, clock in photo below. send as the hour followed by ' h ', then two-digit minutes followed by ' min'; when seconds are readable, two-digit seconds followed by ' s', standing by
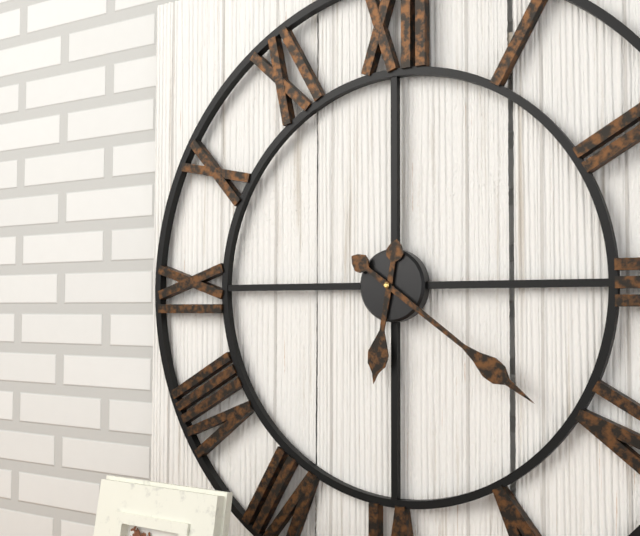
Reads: 6 h 21 min
